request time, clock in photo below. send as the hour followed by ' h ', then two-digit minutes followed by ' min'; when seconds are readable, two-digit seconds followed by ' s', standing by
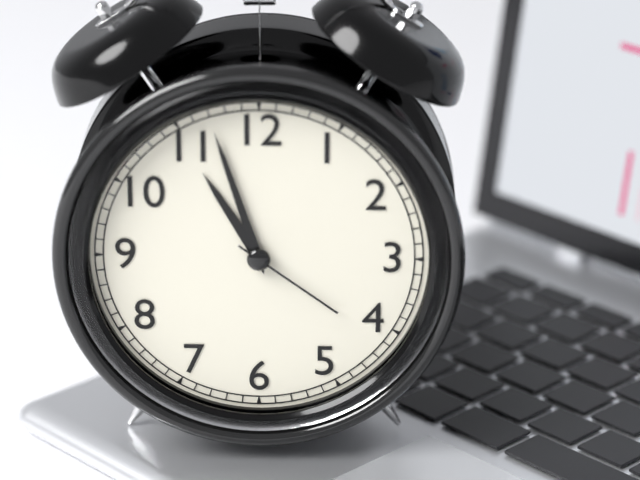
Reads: 10 h 57 min 21 s
